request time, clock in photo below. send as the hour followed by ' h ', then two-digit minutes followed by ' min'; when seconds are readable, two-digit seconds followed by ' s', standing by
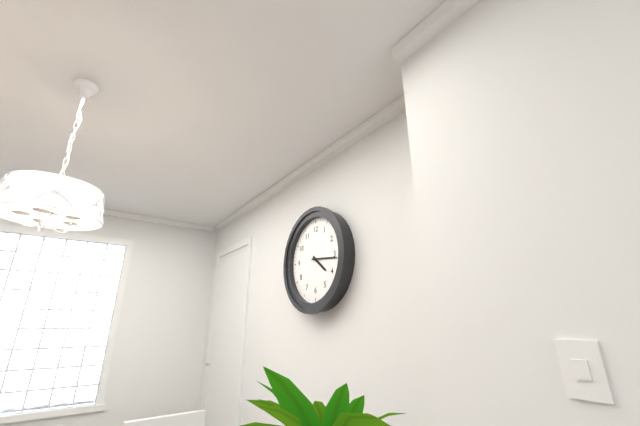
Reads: 4 h 16 min
